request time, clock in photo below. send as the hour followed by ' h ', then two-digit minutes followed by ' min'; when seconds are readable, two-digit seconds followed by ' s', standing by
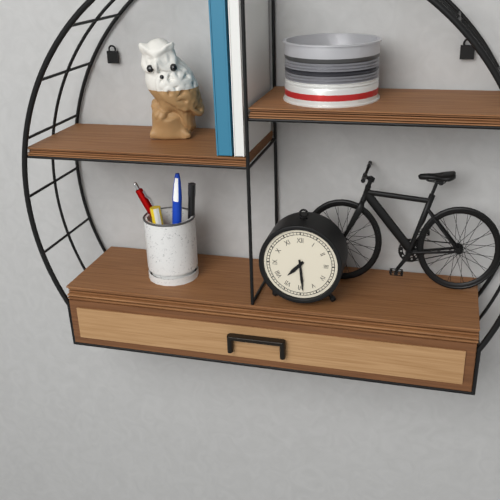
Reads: 7 h 29 min
